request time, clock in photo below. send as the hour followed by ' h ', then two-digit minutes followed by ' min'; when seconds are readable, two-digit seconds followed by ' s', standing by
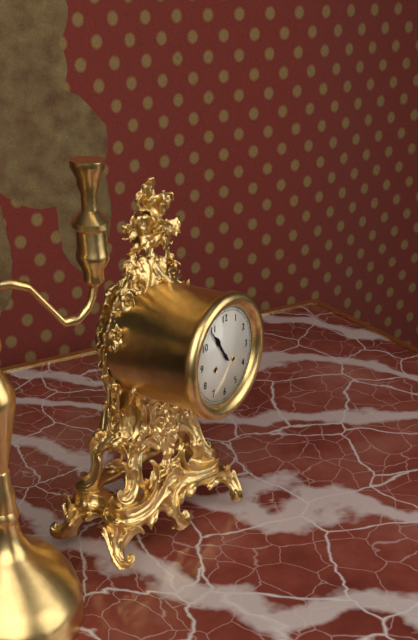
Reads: 10 h 54 min
